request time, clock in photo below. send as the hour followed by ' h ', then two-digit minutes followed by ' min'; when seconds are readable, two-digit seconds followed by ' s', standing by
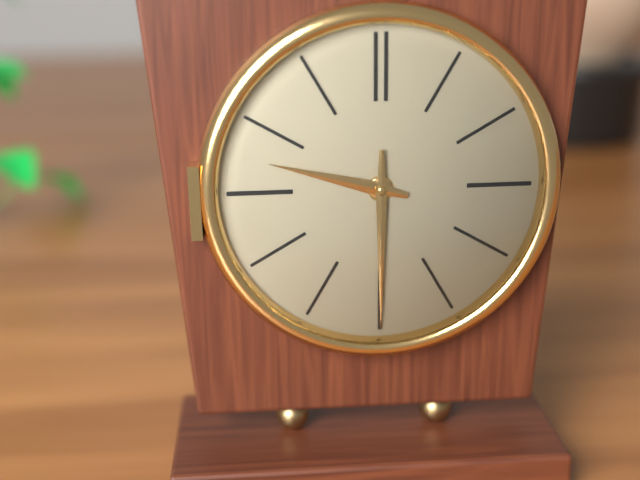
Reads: 9 h 30 min
